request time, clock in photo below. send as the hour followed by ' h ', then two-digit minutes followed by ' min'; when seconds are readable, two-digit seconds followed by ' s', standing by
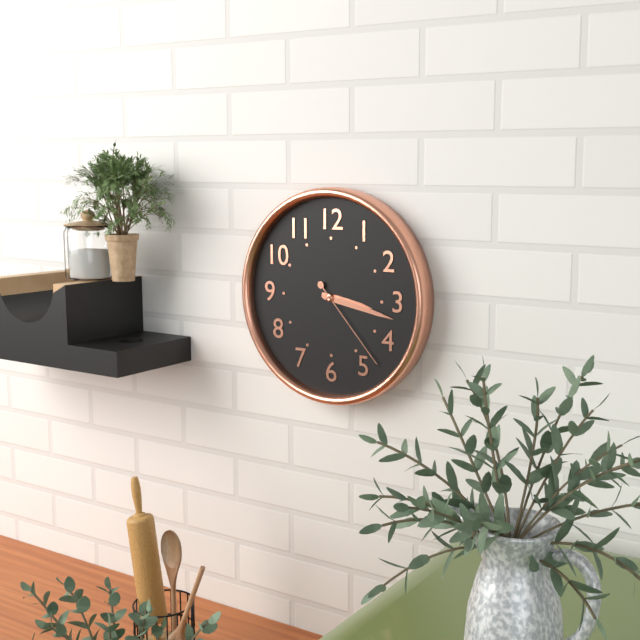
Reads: 3 h 17 min 23 s
